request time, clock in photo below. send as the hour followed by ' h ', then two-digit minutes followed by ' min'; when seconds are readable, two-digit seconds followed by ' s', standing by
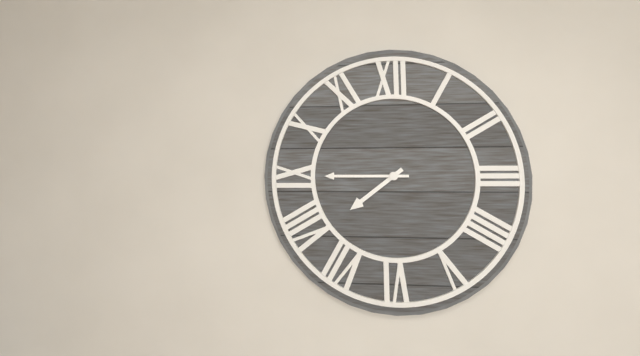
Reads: 7 h 45 min
